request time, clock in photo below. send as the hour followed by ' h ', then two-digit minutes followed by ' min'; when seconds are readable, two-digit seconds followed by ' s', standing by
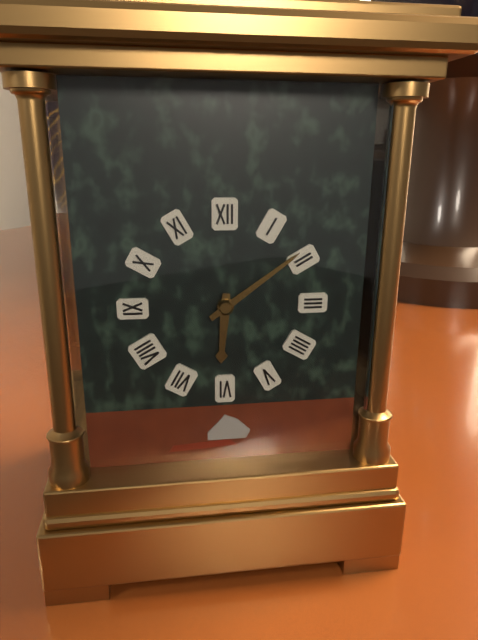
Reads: 6 h 09 min
